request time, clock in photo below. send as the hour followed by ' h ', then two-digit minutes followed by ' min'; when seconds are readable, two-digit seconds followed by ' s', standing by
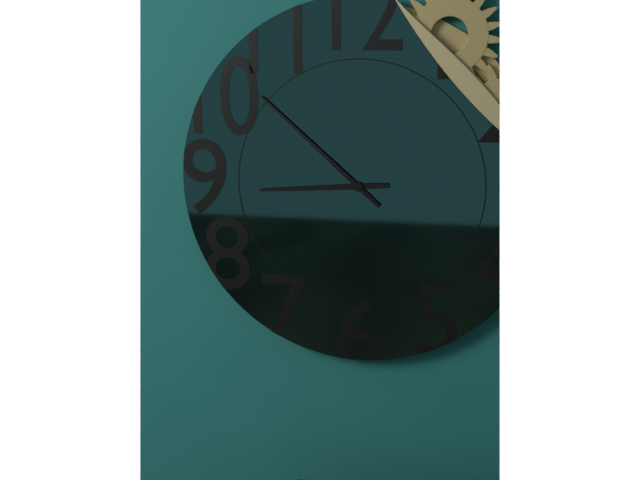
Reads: 8 h 52 min
